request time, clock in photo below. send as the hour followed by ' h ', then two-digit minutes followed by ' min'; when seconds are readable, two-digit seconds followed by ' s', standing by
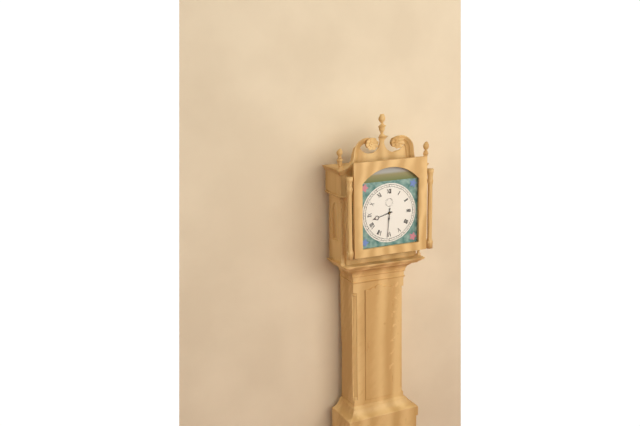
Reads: 8 h 31 min
